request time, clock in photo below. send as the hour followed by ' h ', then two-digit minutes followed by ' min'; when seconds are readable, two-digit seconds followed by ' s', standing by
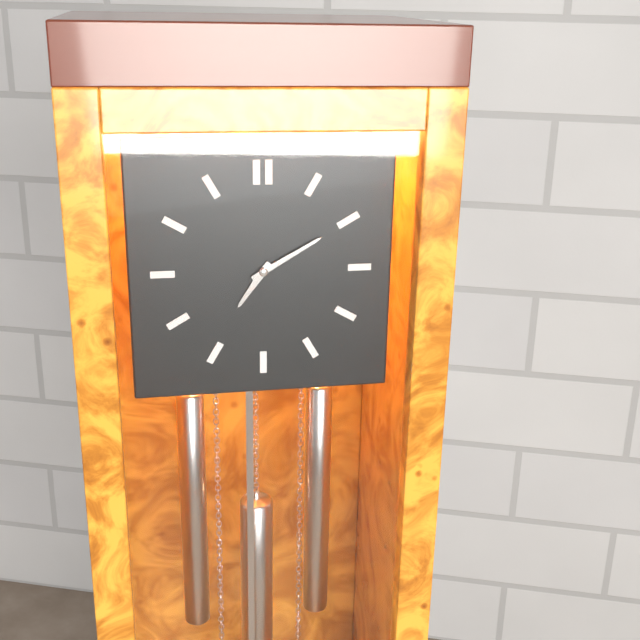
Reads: 7 h 10 min
